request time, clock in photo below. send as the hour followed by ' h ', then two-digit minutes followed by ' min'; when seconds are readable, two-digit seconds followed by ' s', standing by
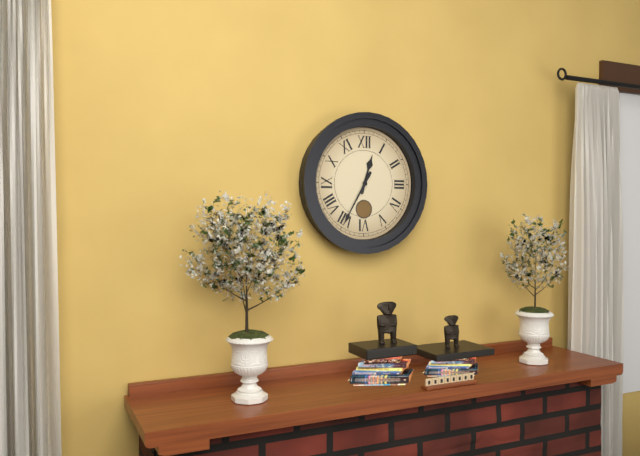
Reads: 12 h 35 min
